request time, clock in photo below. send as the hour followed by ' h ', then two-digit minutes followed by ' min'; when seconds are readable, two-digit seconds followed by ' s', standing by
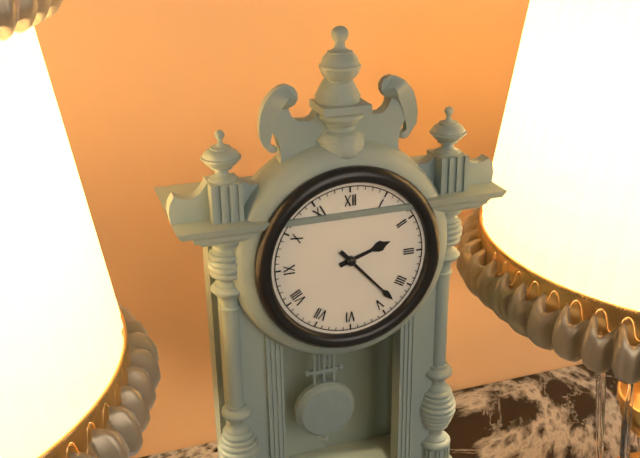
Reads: 2 h 23 min
